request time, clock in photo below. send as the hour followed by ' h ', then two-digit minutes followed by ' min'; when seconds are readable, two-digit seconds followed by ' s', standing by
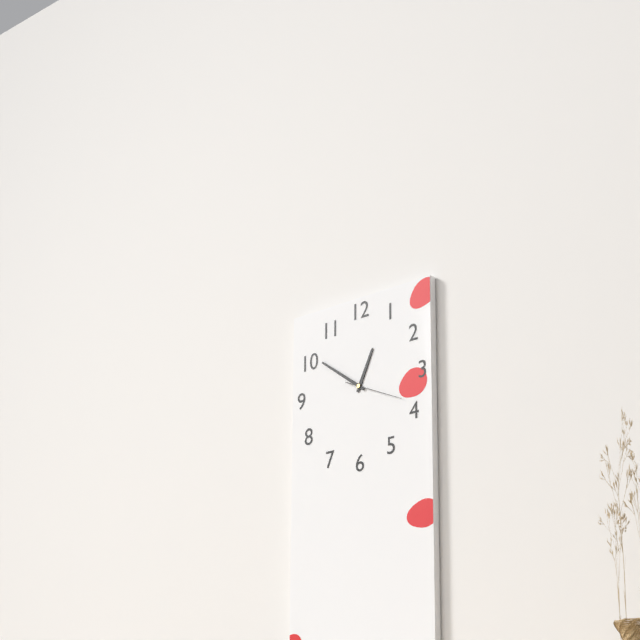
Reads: 12 h 51 min 19 s
